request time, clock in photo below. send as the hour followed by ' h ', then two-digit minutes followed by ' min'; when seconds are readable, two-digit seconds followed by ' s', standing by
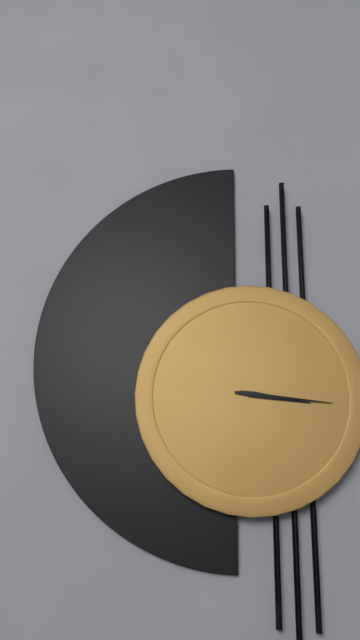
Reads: 3 h 16 min
